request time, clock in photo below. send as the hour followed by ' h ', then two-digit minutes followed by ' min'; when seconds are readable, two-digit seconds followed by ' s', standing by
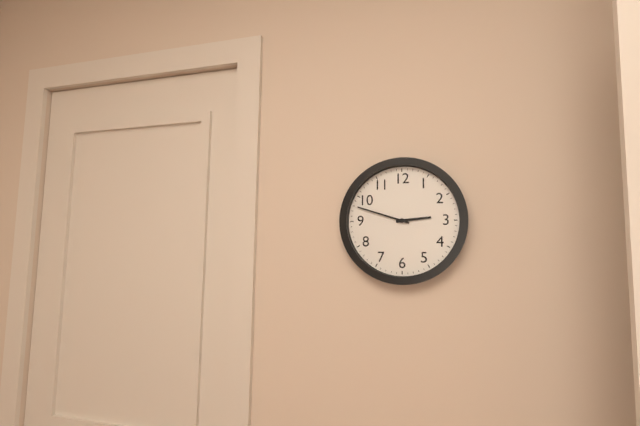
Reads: 2 h 48 min
